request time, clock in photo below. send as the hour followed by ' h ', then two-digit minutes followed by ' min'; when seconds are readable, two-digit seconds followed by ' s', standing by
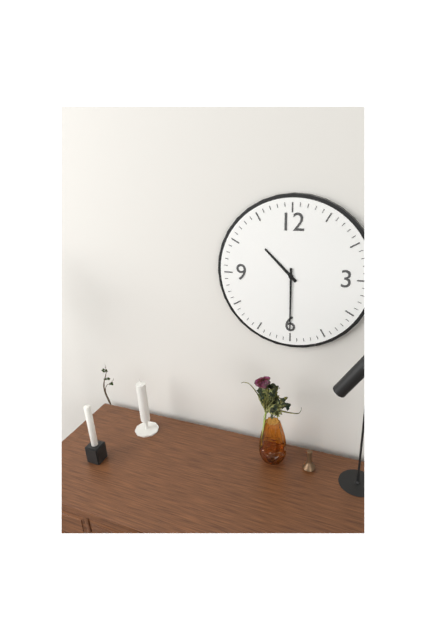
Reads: 10 h 30 min
